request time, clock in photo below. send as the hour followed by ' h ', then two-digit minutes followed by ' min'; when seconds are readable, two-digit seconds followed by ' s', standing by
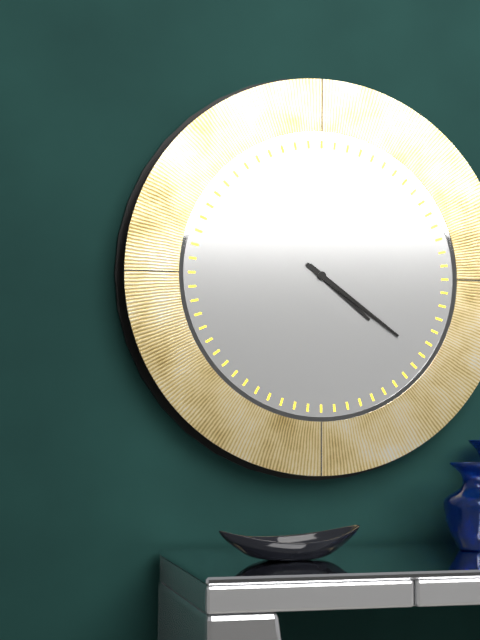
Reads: 4 h 21 min
